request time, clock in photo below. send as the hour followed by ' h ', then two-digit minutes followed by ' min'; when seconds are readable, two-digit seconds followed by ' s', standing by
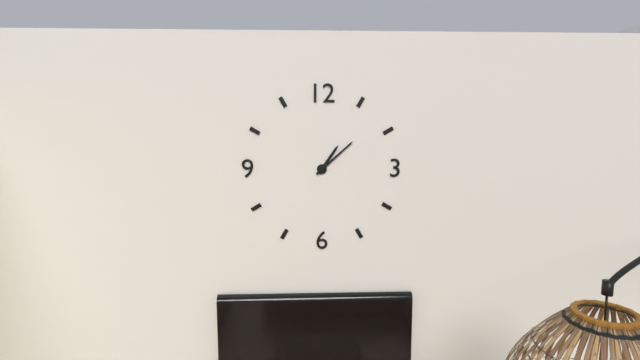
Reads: 1 h 08 min
